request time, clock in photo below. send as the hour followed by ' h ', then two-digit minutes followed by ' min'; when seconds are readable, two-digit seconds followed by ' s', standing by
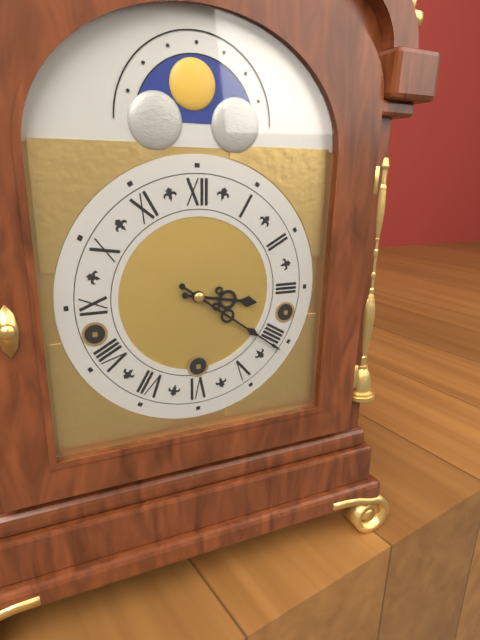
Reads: 3 h 21 min
